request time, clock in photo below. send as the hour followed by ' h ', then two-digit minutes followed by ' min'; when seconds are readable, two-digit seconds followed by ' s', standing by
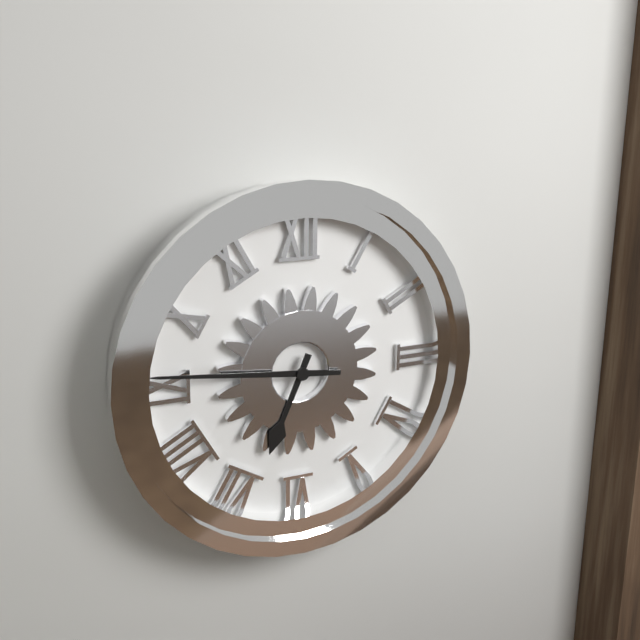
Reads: 6 h 46 min
